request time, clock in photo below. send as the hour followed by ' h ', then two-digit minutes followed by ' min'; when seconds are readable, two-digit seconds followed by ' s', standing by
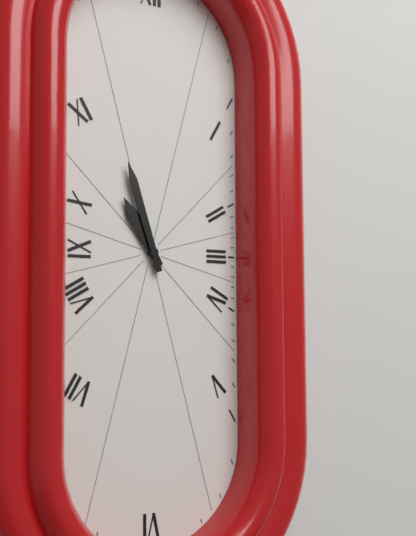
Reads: 10 h 57 min
